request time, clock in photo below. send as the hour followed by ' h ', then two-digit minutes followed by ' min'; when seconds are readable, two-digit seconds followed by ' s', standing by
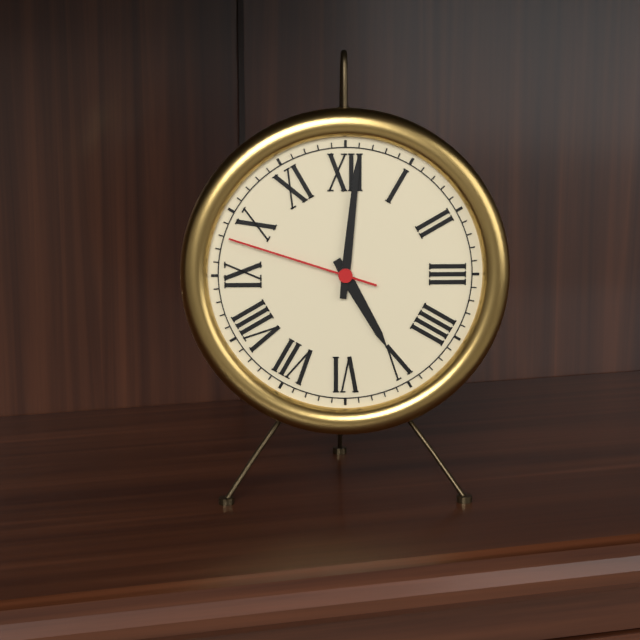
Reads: 5 h 01 min 48 s
